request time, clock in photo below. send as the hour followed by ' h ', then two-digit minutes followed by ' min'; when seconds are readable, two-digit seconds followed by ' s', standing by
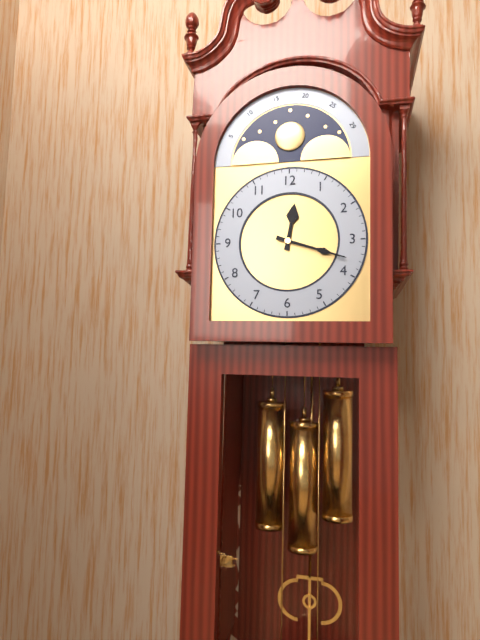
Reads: 12 h 18 min
